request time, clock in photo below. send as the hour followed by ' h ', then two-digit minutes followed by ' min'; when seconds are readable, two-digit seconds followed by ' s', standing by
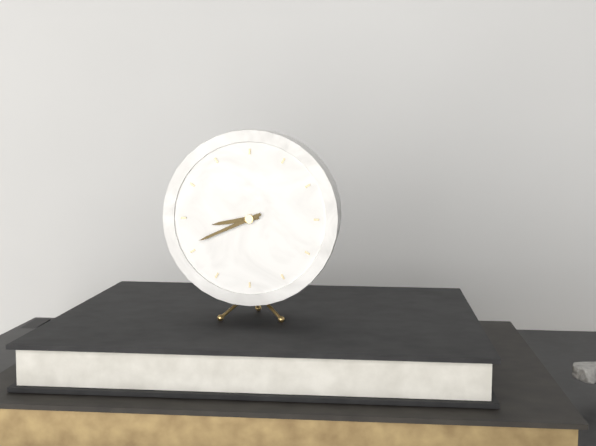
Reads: 8 h 41 min
